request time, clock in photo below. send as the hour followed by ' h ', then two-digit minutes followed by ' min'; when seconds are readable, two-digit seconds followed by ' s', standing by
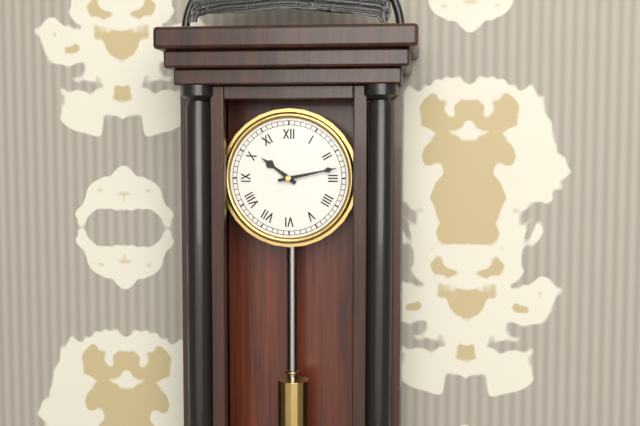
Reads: 10 h 13 min
